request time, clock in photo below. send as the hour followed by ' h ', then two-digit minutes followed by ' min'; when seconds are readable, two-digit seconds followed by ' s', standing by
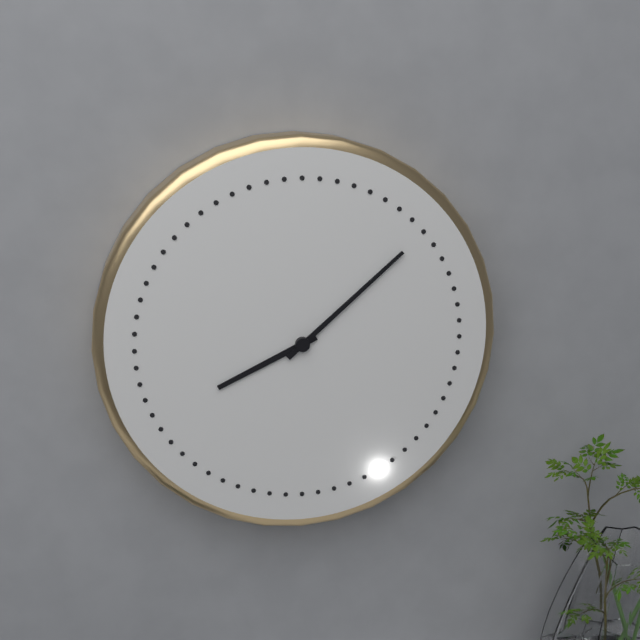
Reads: 8 h 08 min
